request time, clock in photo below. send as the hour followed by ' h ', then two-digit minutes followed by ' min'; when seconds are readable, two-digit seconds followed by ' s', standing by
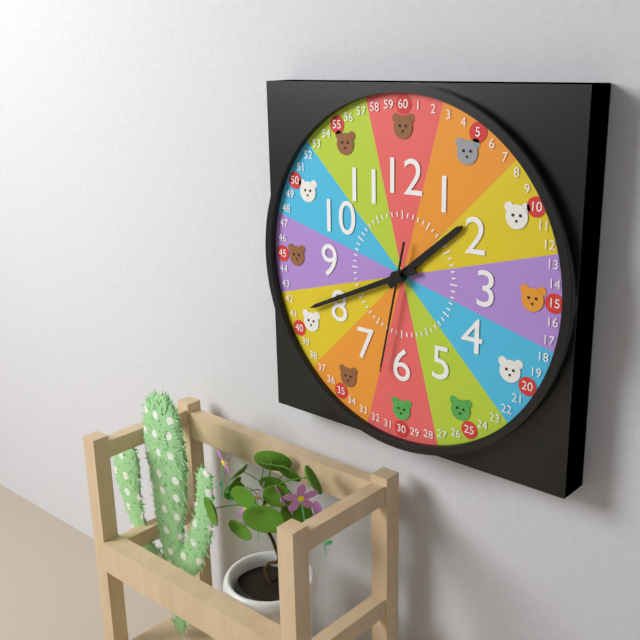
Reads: 1 h 41 min 32 s
